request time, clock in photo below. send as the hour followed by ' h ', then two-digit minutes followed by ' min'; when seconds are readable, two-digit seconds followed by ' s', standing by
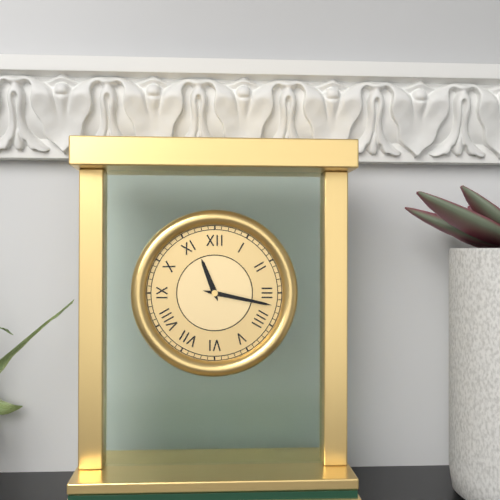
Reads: 11 h 17 min
